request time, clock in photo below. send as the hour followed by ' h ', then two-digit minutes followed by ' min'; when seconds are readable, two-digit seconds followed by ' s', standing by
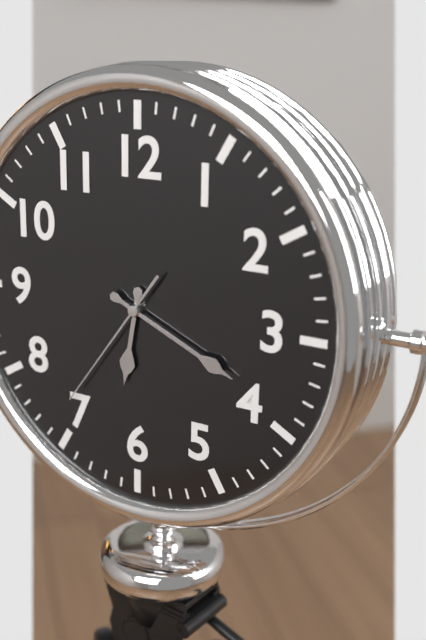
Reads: 6 h 19 min 36 s
